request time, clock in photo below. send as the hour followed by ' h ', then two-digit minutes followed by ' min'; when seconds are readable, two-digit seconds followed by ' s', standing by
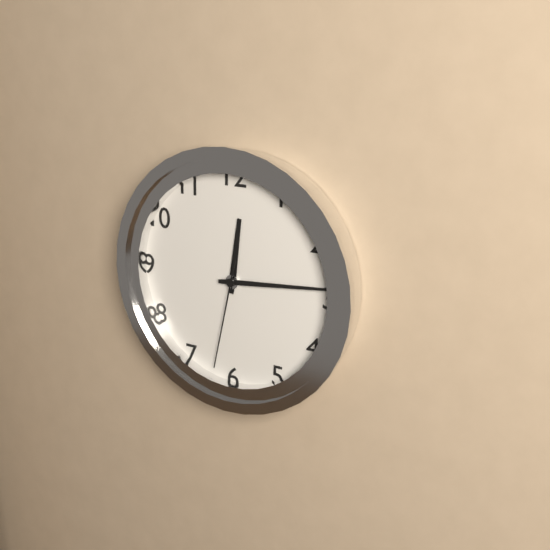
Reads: 12 h 14 min 32 s
